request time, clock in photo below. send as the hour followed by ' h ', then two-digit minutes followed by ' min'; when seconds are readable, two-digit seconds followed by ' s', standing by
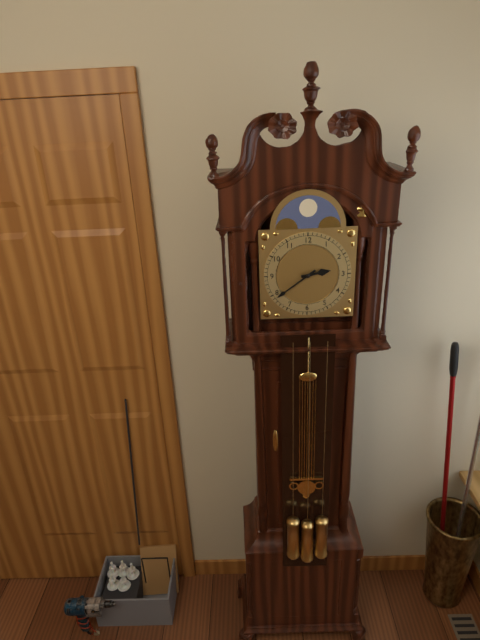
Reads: 2 h 39 min
